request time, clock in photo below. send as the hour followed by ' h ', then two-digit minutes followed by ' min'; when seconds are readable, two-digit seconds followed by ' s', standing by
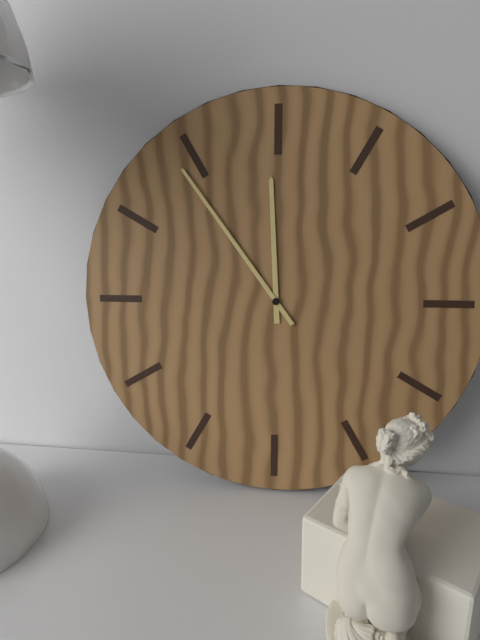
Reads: 11 h 54 min
